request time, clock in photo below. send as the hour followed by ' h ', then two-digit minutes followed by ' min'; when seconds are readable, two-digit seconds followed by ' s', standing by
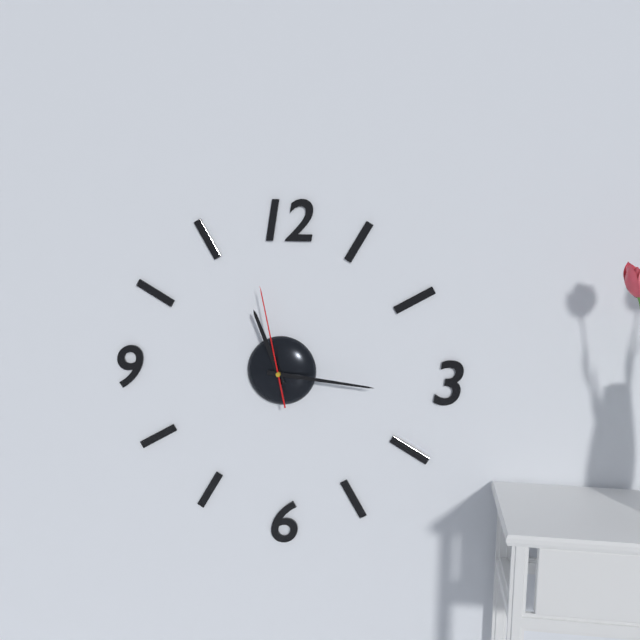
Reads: 11 h 16 min 58 s
